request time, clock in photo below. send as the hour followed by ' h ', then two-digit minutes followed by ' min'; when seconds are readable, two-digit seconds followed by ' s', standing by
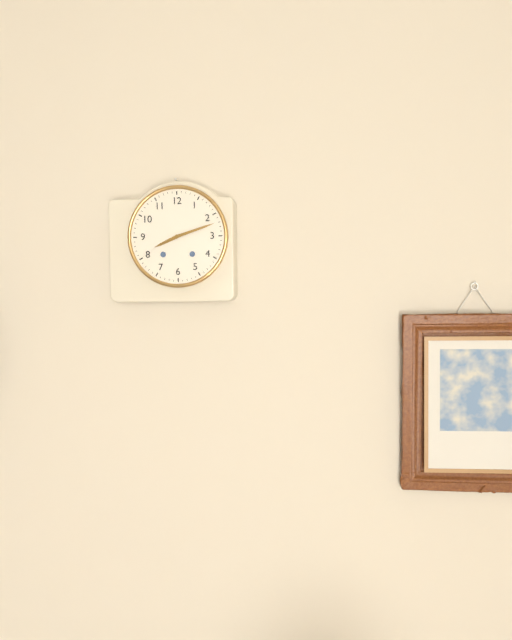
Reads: 8 h 12 min
